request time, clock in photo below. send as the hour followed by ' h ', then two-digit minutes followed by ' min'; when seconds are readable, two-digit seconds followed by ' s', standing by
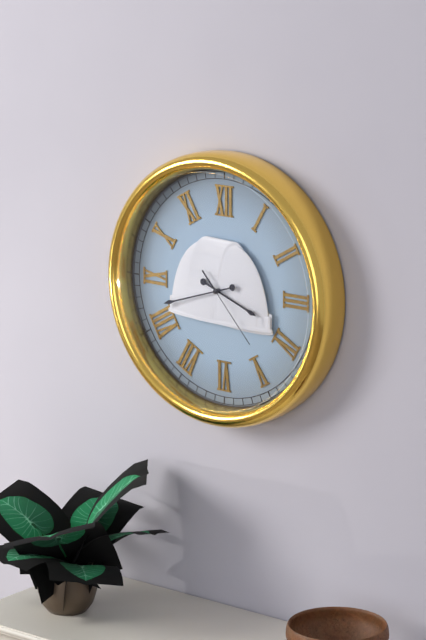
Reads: 3 h 42 min 23 s
